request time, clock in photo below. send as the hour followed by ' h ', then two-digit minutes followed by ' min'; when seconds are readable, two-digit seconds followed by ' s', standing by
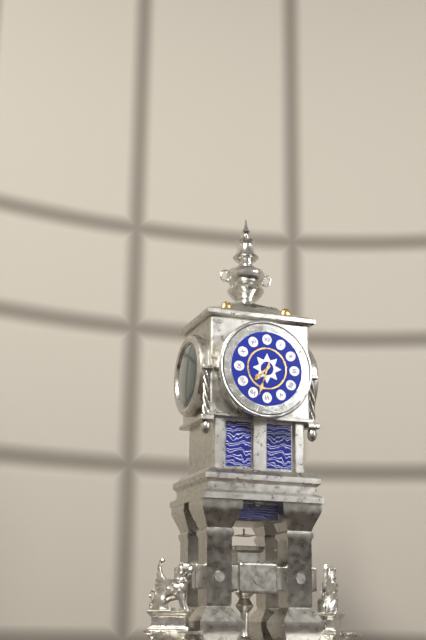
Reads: 7 h 33 min
